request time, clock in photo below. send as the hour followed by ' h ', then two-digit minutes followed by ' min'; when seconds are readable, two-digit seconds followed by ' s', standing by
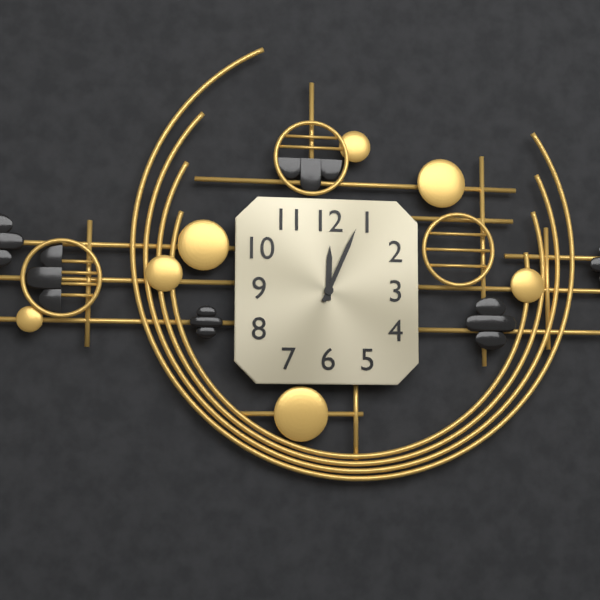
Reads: 12 h 04 min
